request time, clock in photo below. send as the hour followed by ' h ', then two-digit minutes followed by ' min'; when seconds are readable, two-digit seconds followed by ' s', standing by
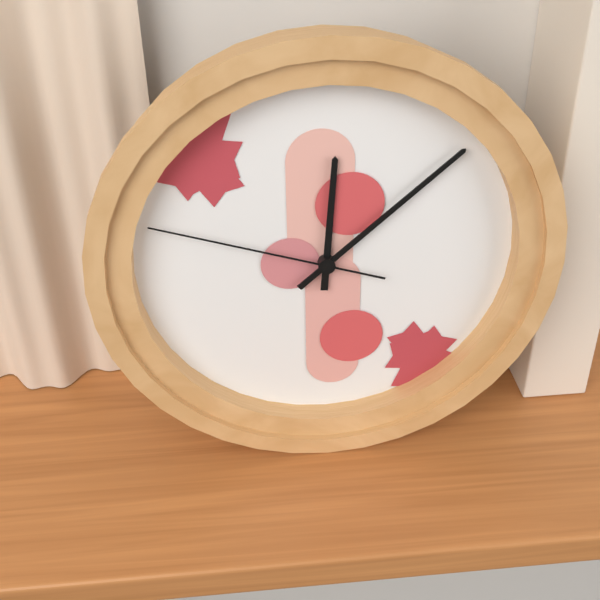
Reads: 12 h 08 min 48 s
